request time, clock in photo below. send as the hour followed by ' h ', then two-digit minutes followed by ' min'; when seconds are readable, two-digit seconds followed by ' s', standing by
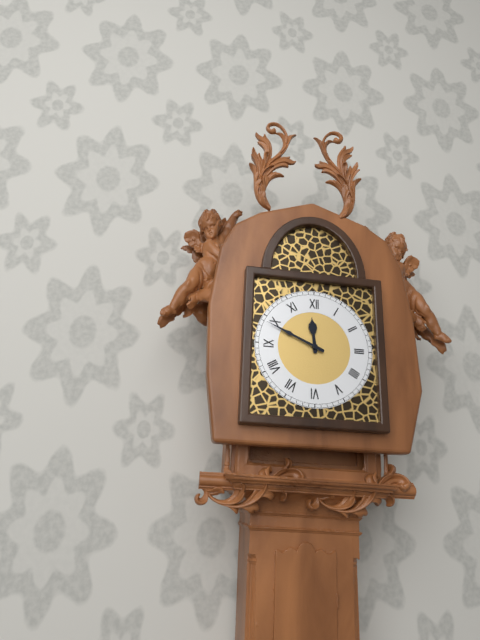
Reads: 11 h 49 min
